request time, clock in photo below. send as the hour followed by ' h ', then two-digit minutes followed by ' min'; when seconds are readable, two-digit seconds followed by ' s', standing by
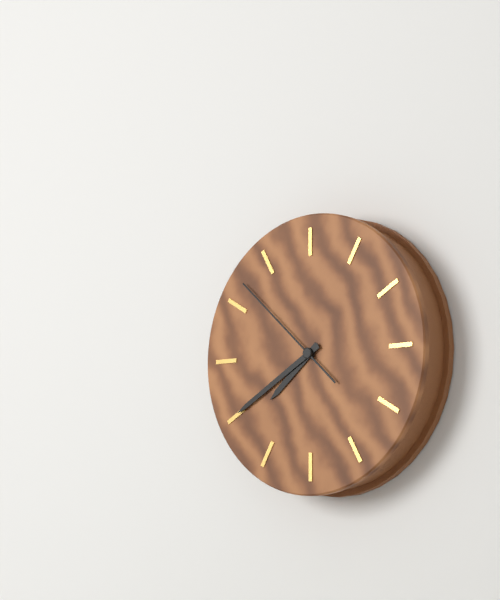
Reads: 7 h 40 min 52 s
